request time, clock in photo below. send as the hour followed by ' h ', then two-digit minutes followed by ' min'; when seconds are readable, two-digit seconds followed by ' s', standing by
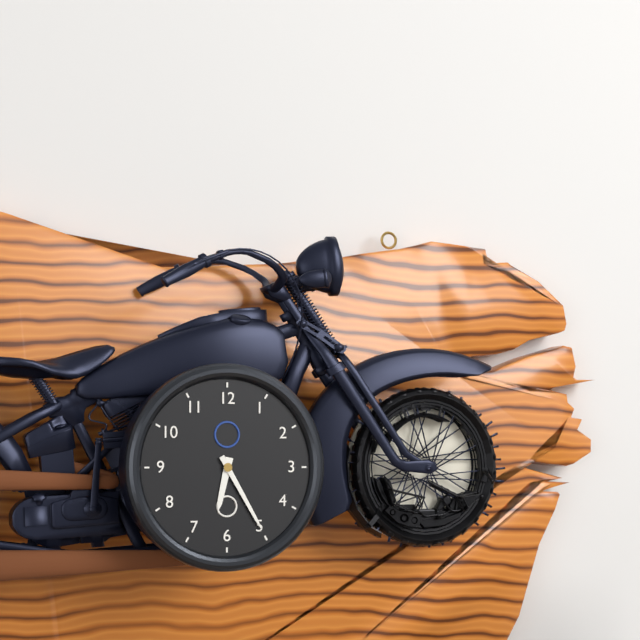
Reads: 6 h 25 min
